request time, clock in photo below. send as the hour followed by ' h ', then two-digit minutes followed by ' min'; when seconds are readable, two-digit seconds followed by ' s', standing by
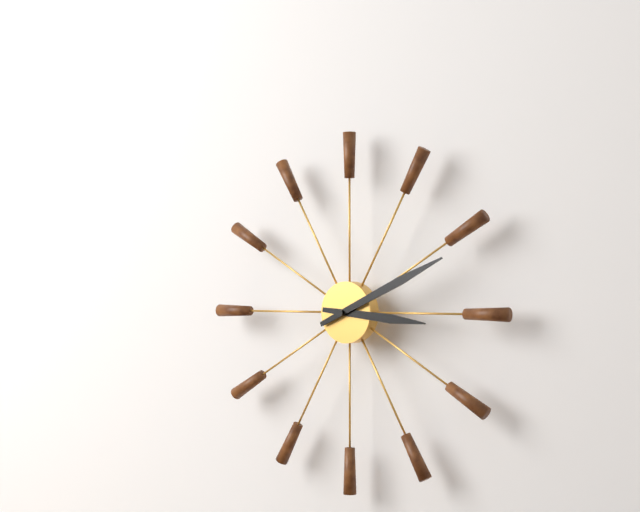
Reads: 3 h 11 min
